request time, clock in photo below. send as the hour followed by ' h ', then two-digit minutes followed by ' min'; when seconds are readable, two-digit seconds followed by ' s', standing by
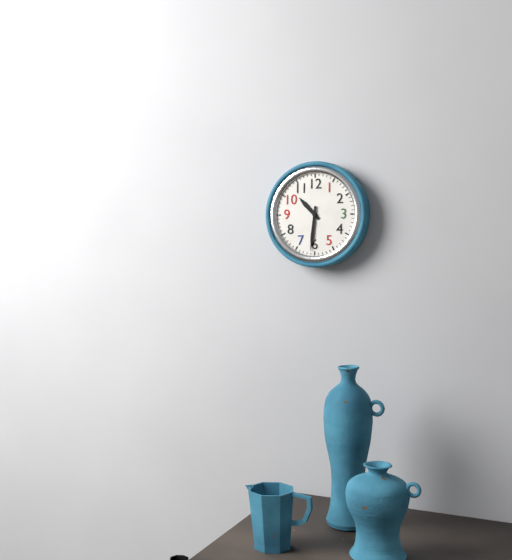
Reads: 10 h 31 min
